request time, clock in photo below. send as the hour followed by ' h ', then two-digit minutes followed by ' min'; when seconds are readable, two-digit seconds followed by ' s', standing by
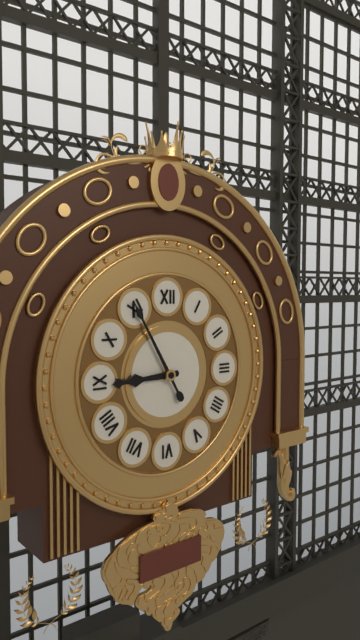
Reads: 8 h 55 min
